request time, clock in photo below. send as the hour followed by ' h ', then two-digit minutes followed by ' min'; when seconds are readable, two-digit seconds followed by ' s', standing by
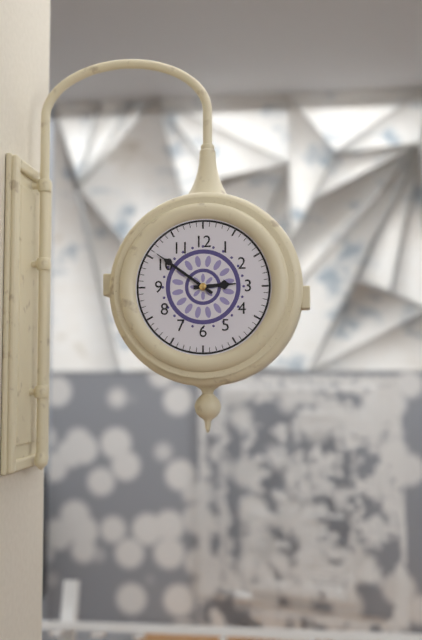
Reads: 2 h 51 min
